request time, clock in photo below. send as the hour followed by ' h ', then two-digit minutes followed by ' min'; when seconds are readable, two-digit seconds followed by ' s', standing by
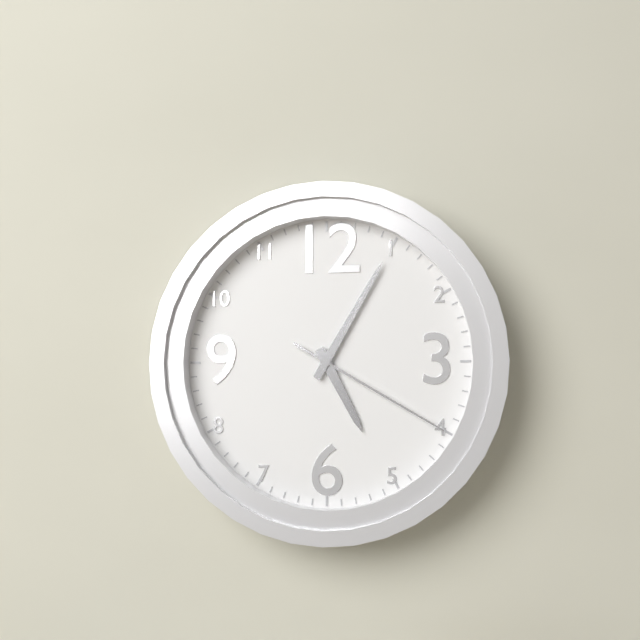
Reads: 5 h 05 min 20 s
